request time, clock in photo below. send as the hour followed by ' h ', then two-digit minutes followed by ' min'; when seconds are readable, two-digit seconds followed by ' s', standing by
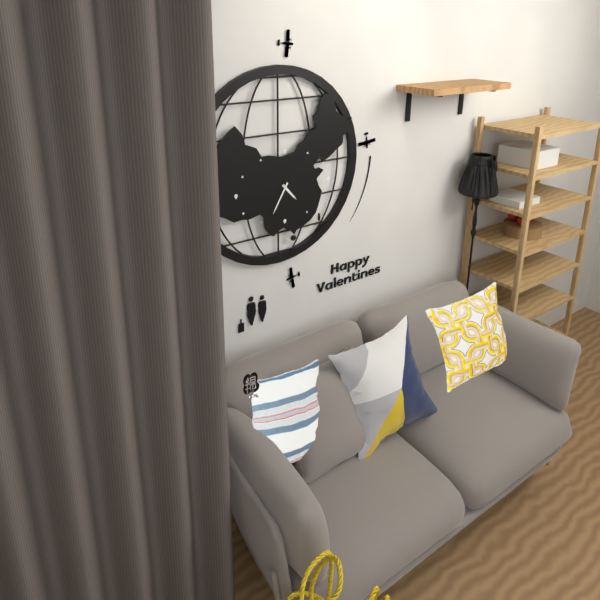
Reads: 4 h 35 min
